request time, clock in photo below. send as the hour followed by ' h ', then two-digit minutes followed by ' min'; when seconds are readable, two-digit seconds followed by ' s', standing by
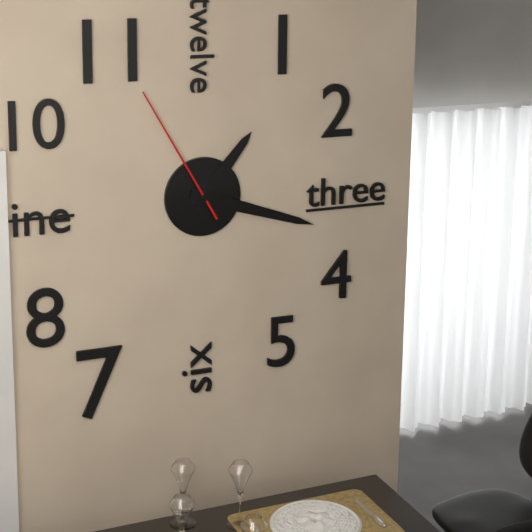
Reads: 1 h 18 min 55 s
